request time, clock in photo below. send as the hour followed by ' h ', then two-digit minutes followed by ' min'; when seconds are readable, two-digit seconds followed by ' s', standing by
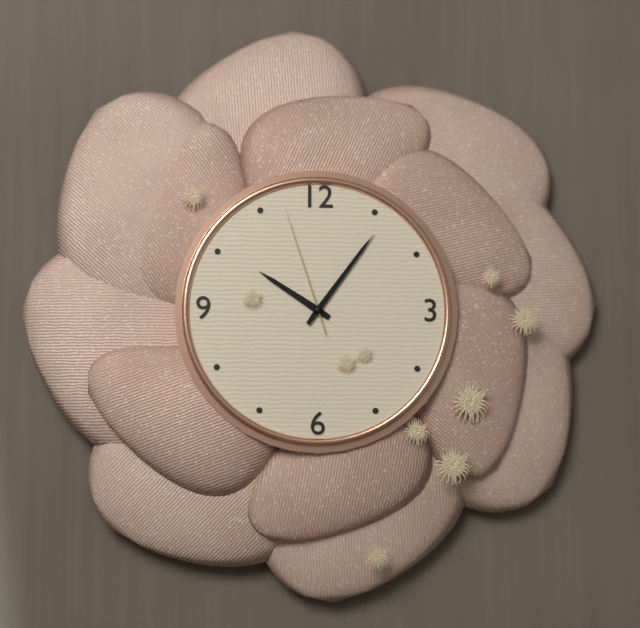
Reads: 10 h 06 min 57 s
